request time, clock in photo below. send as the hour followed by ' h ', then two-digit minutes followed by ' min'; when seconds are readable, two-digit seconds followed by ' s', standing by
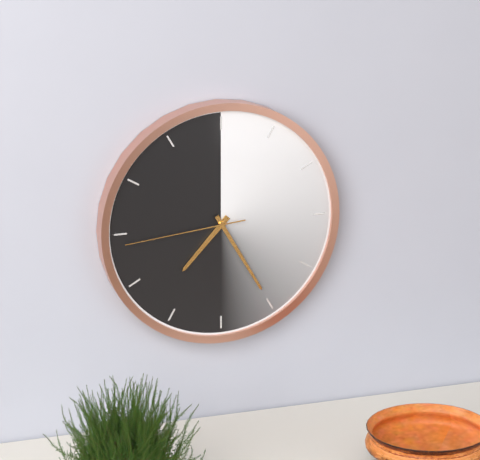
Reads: 7 h 25 min 44 s
